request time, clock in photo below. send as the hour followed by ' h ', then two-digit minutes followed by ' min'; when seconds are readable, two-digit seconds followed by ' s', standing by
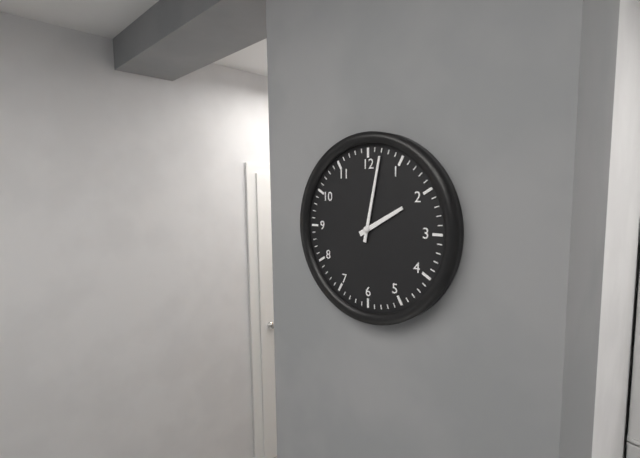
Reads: 2 h 02 min
